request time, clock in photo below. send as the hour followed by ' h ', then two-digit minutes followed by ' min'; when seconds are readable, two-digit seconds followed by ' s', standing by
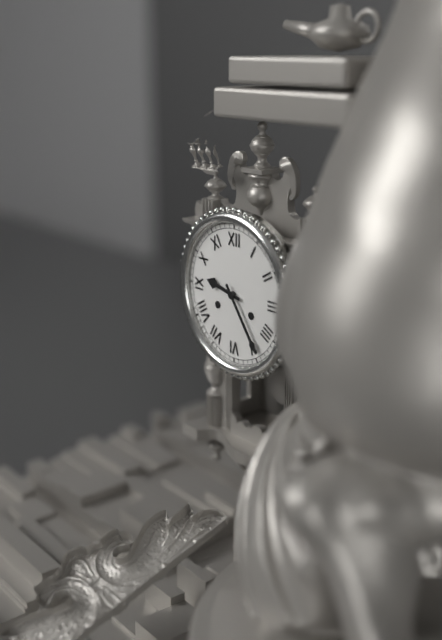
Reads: 9 h 24 min
